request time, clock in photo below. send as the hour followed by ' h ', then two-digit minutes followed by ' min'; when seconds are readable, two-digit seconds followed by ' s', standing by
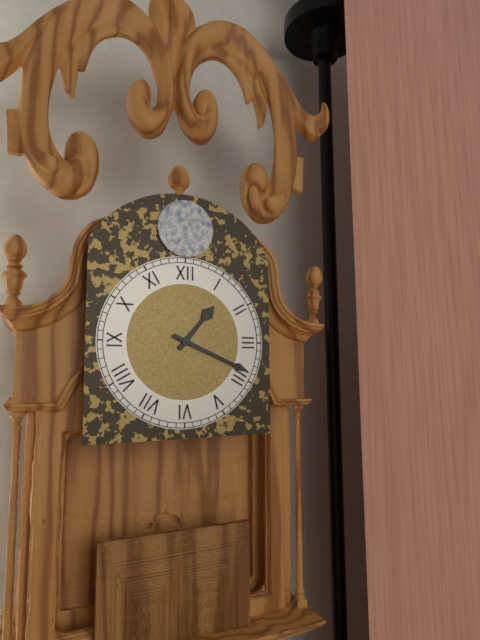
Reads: 1 h 19 min
